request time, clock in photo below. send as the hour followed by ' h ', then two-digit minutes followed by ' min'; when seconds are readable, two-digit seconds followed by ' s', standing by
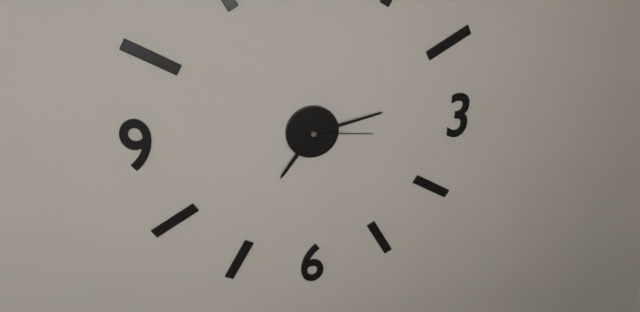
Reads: 7 h 13 min 16 s
